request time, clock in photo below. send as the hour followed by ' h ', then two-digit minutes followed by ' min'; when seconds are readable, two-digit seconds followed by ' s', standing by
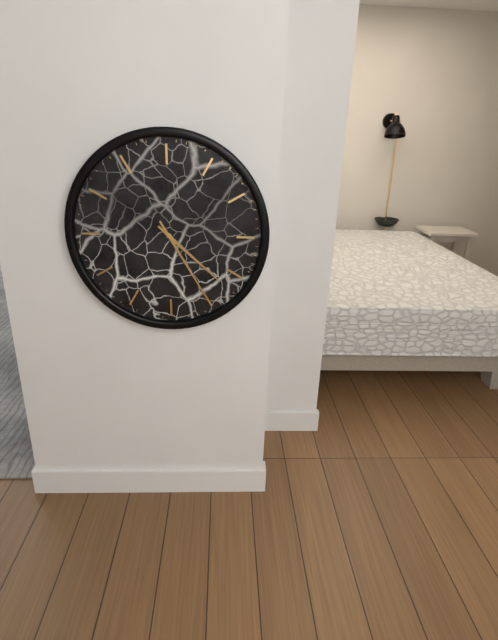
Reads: 4 h 25 min
